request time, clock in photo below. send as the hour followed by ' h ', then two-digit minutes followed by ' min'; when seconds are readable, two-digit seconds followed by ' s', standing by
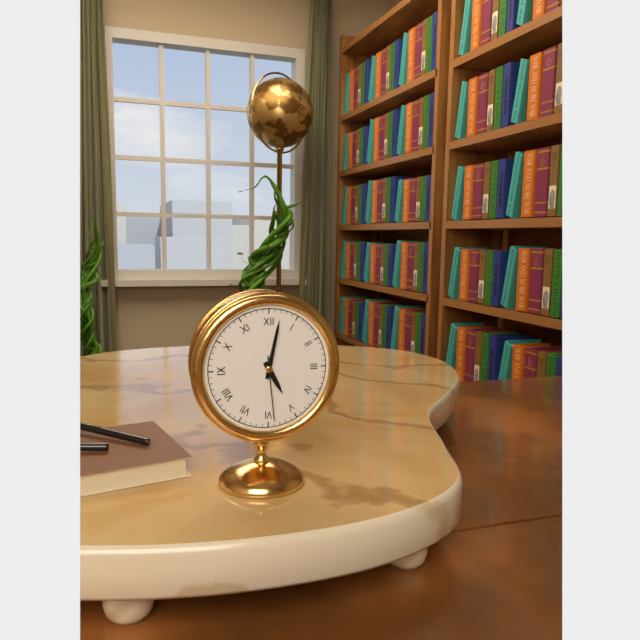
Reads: 5 h 02 min 29 s
